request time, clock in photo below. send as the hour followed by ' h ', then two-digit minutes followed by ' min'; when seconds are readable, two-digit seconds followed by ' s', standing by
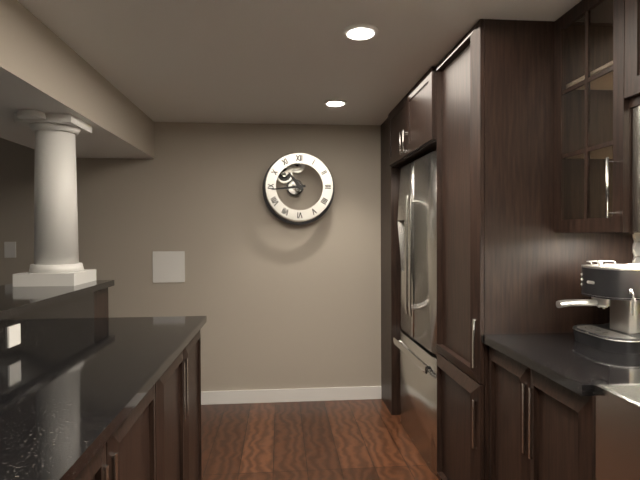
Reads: 10 h 44 min
